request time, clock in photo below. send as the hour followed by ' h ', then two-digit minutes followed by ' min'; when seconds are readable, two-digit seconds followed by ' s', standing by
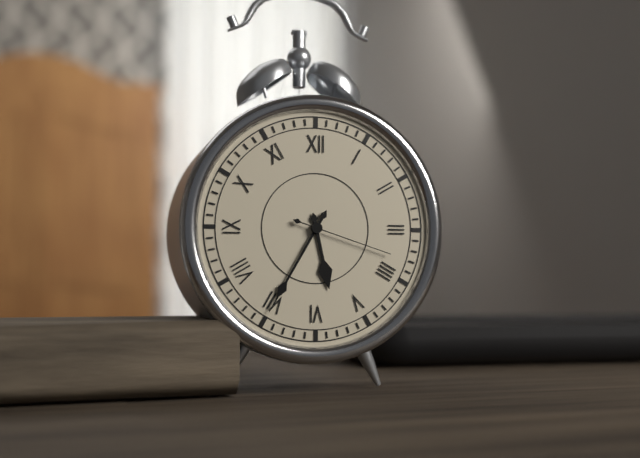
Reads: 5 h 35 min 18 s
